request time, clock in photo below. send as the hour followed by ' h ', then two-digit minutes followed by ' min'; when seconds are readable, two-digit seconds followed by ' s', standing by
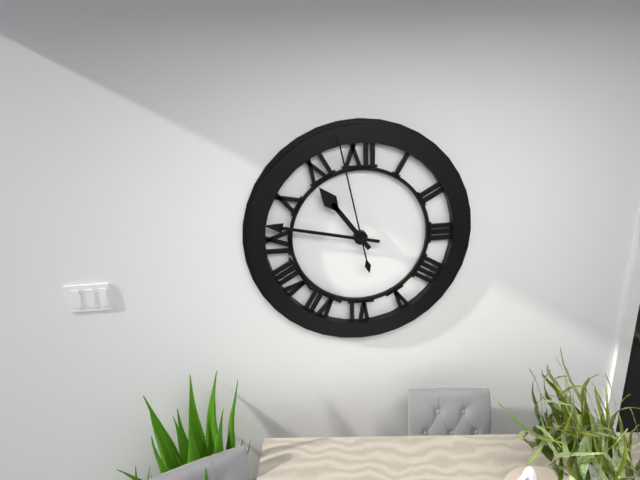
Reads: 10 h 47 min 58 s
